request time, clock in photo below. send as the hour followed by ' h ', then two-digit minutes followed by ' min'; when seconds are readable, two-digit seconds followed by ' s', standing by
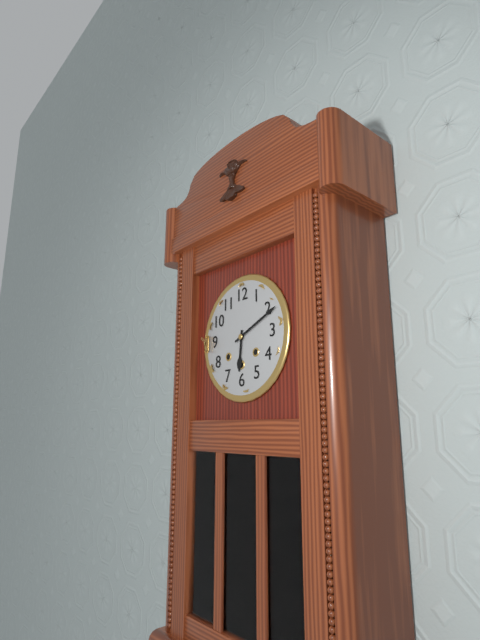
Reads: 6 h 11 min
